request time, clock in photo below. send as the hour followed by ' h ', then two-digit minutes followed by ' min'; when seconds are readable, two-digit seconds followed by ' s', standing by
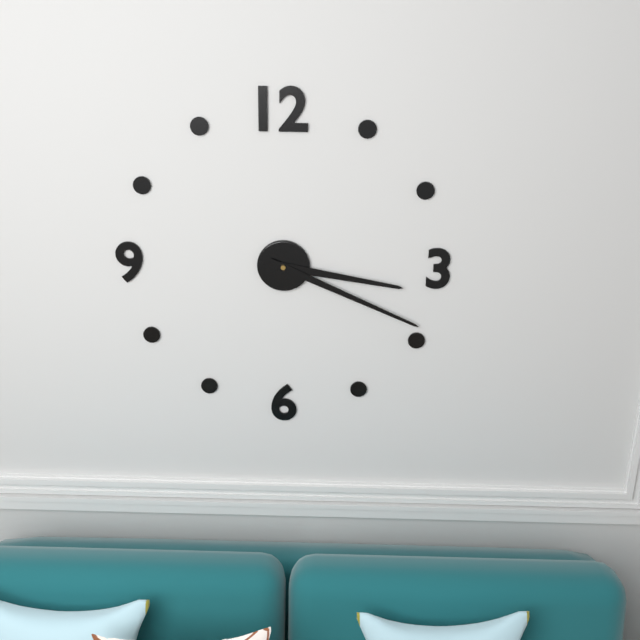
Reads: 3 h 19 min
